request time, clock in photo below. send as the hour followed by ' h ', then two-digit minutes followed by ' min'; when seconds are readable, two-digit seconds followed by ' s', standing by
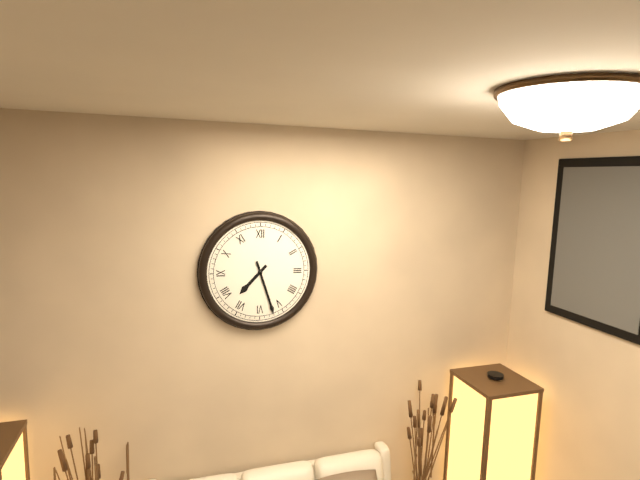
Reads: 7 h 27 min
